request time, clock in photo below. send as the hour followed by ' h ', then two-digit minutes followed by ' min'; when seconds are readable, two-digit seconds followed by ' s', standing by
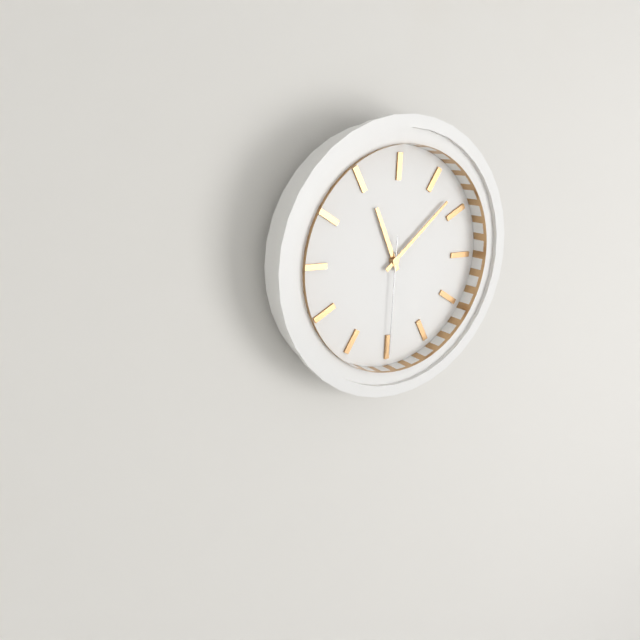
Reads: 11 h 08 min 30 s
